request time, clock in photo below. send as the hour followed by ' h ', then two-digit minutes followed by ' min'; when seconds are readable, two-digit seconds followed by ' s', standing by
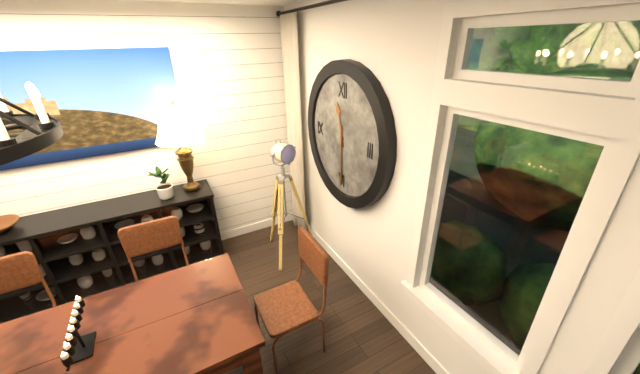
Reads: 11 h 30 min
